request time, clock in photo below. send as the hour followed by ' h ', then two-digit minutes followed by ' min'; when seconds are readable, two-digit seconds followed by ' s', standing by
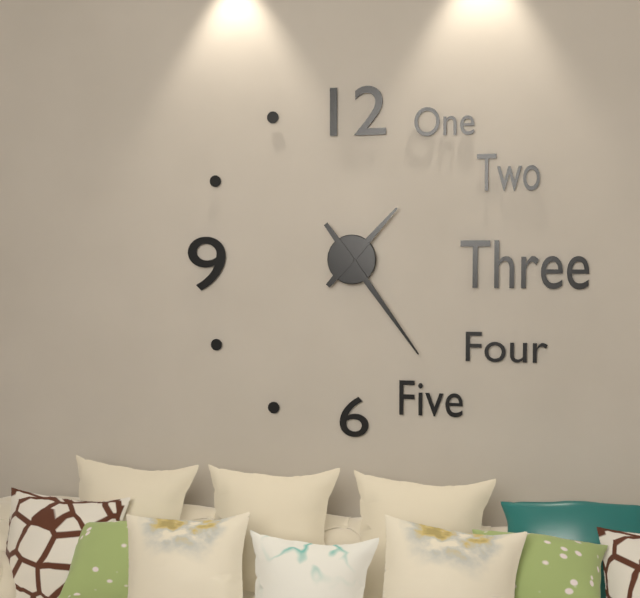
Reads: 1 h 24 min
